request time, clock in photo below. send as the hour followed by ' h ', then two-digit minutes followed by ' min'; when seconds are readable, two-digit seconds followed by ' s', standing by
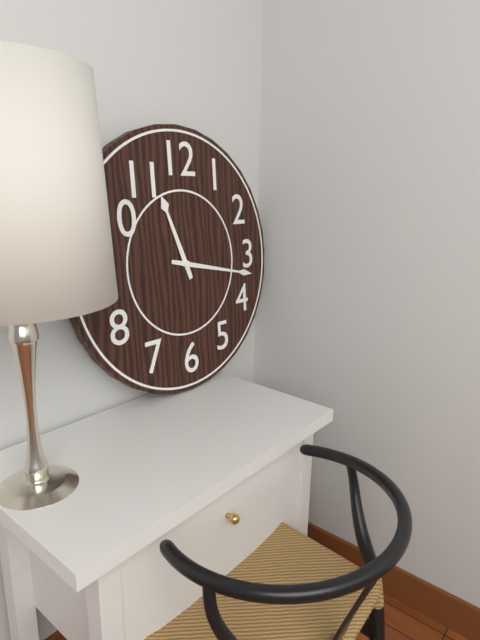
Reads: 11 h 17 min
